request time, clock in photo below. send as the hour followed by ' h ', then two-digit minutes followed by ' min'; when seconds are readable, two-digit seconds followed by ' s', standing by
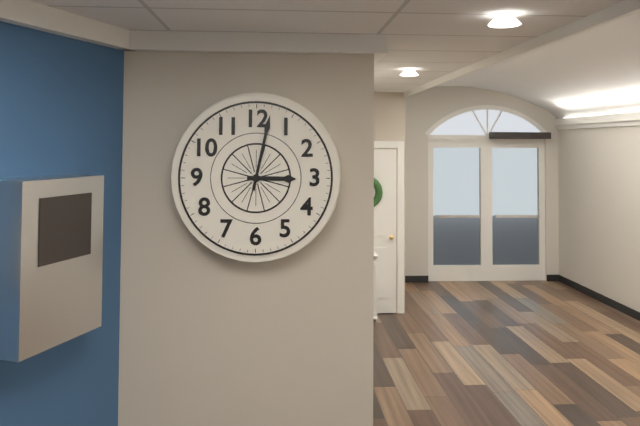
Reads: 3 h 02 min
